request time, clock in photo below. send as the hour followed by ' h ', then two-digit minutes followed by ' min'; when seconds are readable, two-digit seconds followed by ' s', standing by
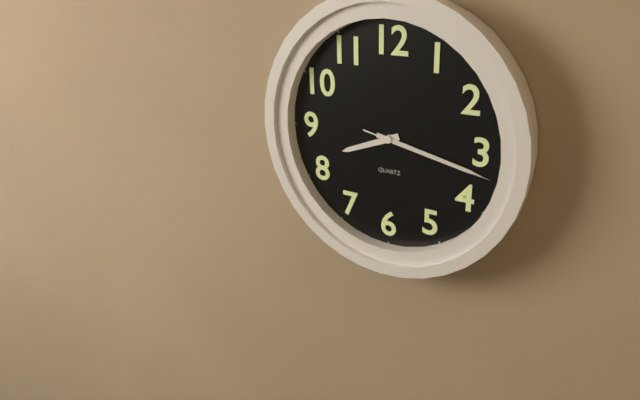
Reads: 8 h 17 min 17 s
